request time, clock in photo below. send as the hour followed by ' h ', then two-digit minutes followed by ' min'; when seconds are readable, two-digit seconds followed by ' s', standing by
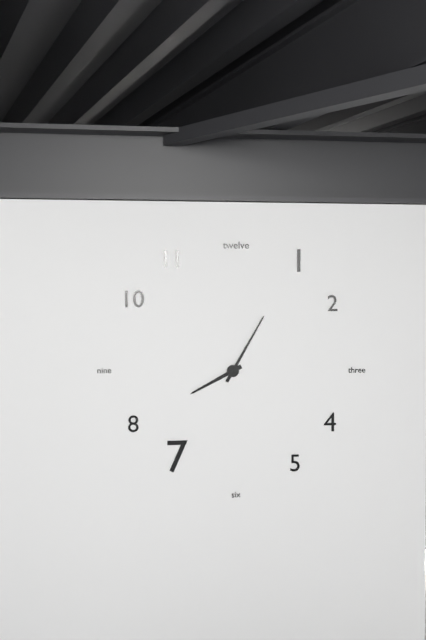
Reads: 8 h 05 min
